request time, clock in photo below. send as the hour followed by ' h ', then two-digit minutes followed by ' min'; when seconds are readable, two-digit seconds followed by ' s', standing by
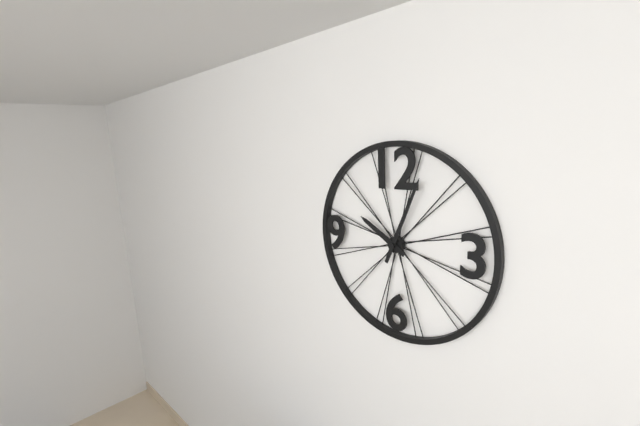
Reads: 10 h 04 min
